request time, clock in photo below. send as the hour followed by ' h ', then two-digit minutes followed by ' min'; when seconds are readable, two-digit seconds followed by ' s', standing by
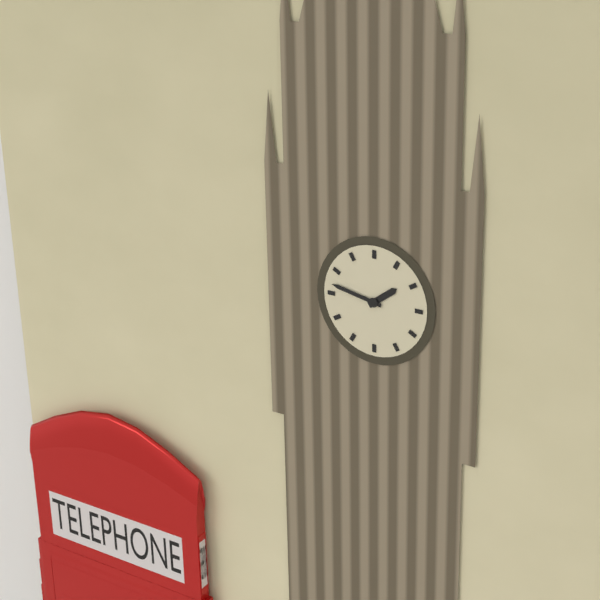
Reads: 1 h 47 min
